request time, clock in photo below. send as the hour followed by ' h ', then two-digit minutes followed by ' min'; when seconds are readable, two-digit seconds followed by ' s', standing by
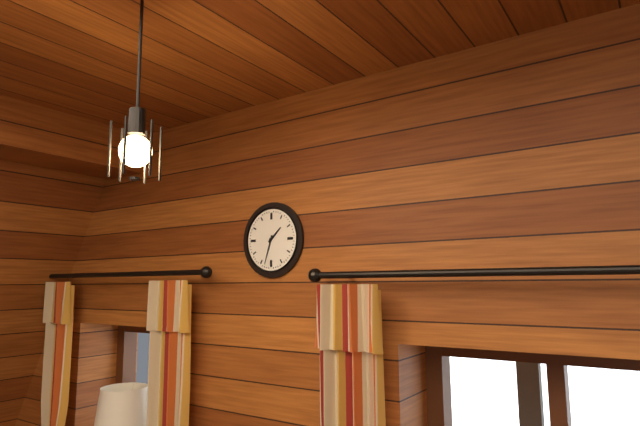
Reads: 1 h 33 min
